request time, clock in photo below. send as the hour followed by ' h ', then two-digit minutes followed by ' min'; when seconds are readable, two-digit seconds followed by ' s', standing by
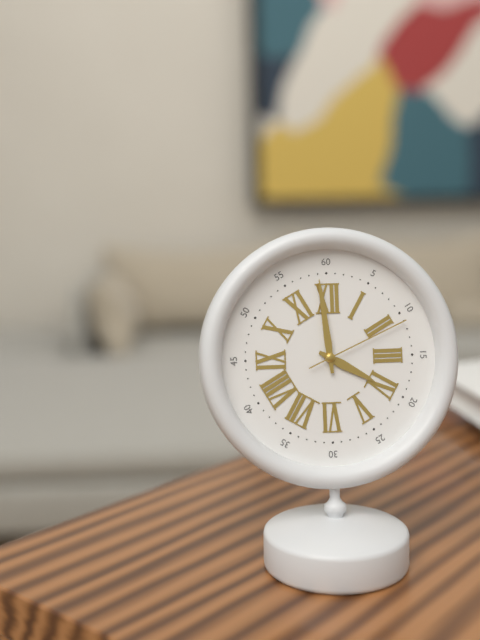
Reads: 3 h 59 min 11 s
